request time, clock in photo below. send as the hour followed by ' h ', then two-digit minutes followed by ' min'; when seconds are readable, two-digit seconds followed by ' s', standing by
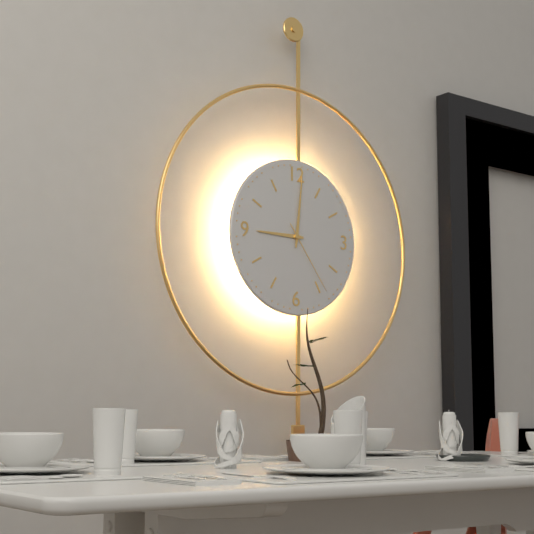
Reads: 9 h 01 min 24 s
